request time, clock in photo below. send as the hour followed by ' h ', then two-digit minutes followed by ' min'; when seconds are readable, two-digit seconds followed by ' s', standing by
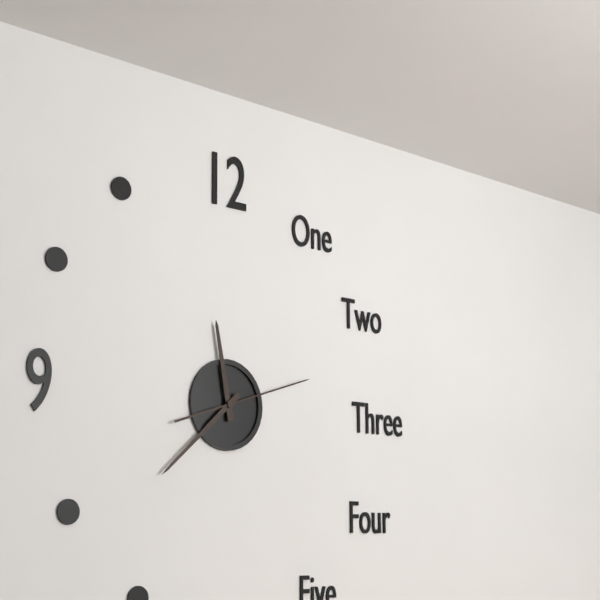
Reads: 11 h 38 min 12 s
